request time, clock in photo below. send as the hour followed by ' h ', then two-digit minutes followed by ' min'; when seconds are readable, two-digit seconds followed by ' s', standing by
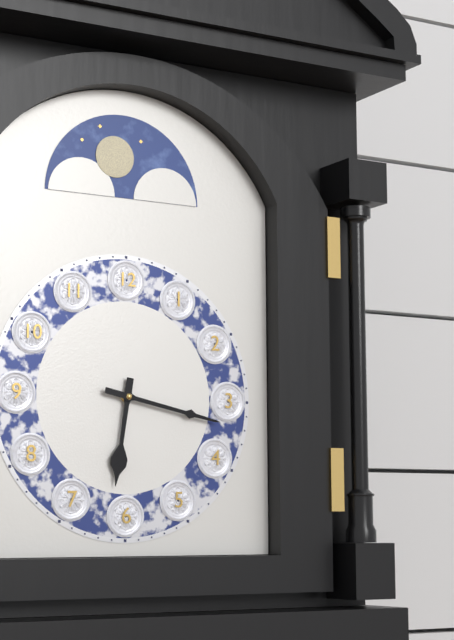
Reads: 6 h 17 min
